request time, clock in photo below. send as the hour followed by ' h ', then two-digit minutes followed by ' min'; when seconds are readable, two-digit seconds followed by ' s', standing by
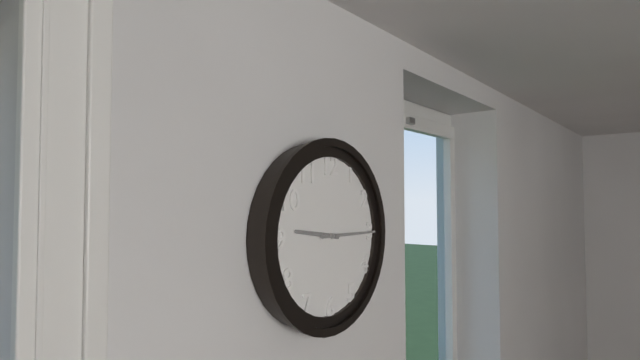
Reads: 9 h 15 min
